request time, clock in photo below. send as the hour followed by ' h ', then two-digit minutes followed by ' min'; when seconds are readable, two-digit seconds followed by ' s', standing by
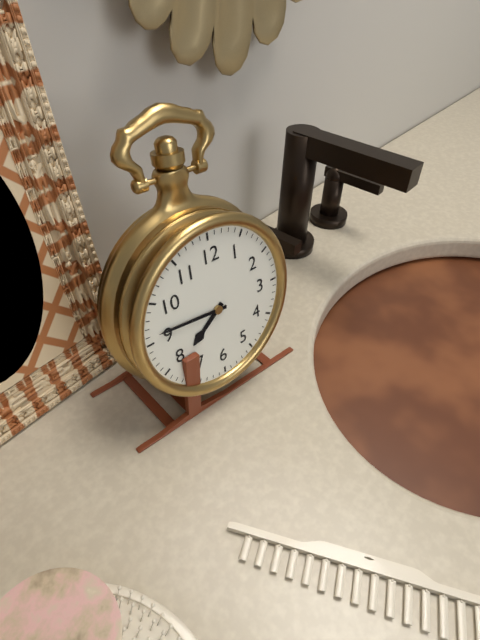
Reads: 7 h 46 min
